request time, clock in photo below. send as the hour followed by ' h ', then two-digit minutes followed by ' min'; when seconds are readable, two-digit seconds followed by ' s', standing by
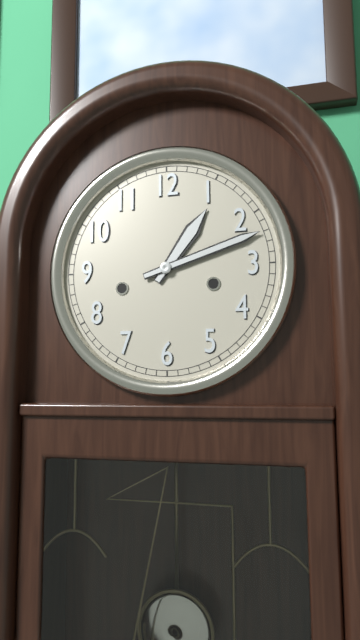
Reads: 1 h 12 min
